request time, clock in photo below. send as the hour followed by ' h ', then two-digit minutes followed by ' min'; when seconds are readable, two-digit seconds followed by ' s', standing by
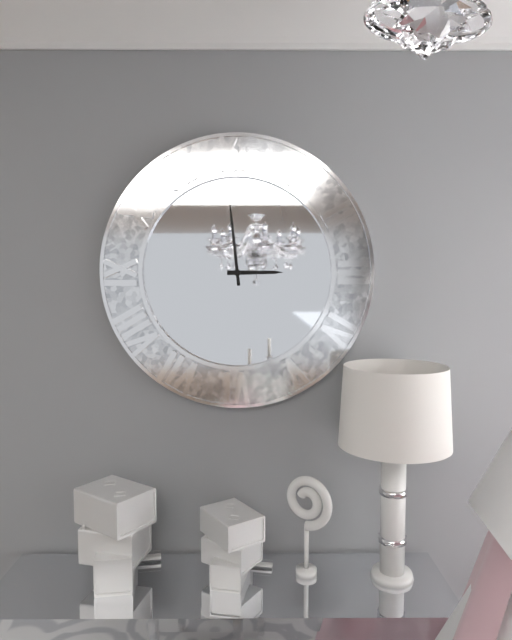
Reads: 2 h 59 min
